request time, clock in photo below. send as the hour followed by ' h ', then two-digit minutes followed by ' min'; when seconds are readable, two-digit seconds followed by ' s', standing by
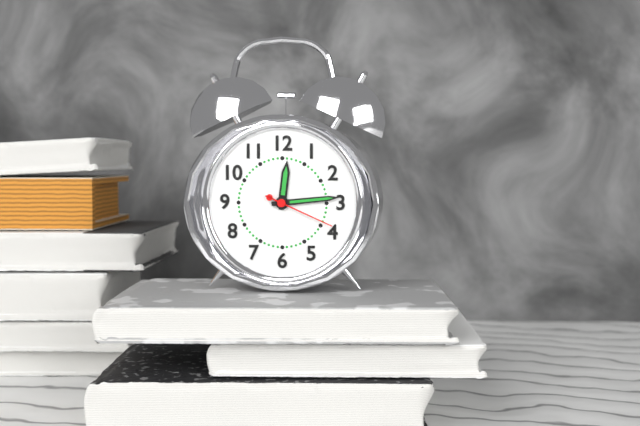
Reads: 12 h 14 min 19 s
